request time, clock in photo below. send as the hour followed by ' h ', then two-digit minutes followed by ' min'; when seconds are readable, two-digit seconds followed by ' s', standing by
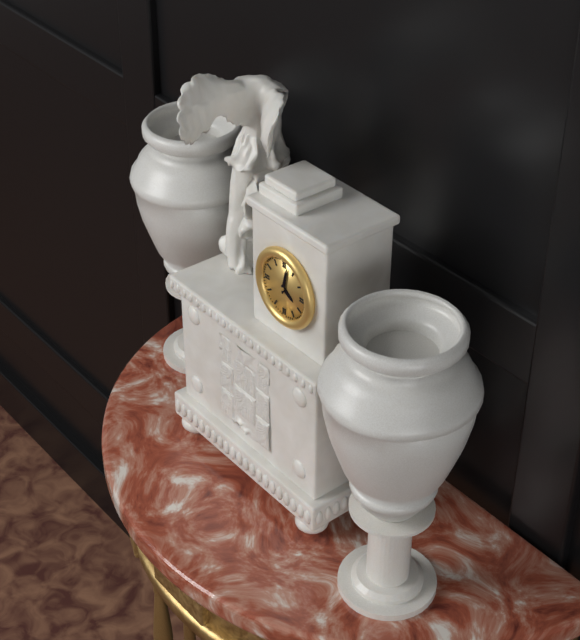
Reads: 4 h 02 min
